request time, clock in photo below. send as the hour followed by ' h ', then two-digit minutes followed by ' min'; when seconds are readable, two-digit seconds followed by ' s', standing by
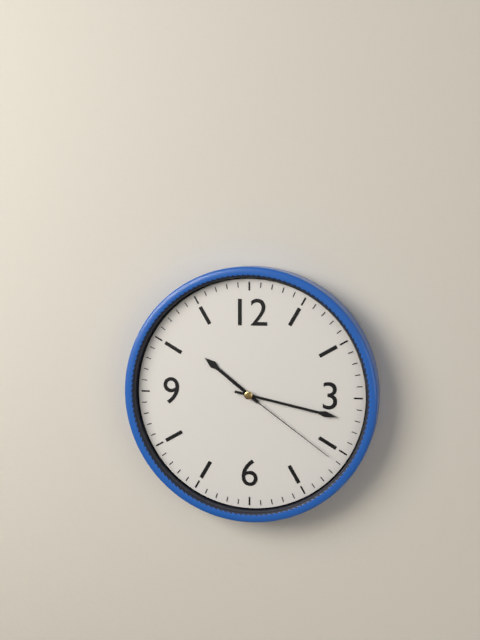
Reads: 10 h 17 min 21 s
